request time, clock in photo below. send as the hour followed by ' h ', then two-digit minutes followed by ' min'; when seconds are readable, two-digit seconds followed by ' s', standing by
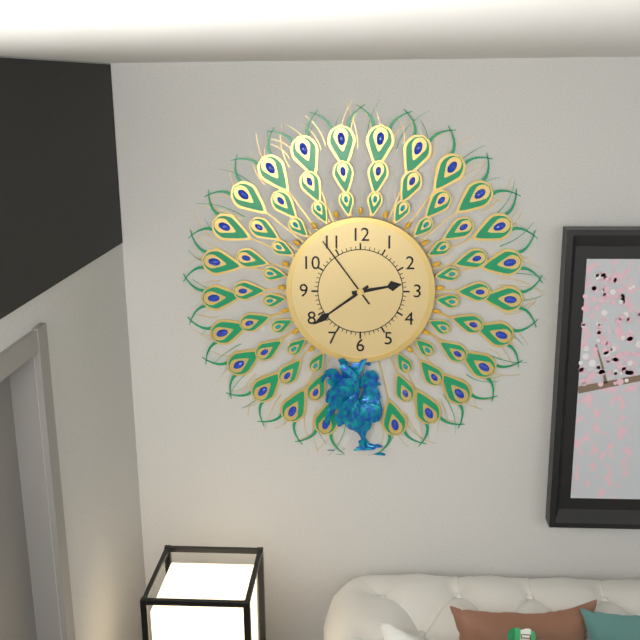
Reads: 2 h 39 min 54 s
